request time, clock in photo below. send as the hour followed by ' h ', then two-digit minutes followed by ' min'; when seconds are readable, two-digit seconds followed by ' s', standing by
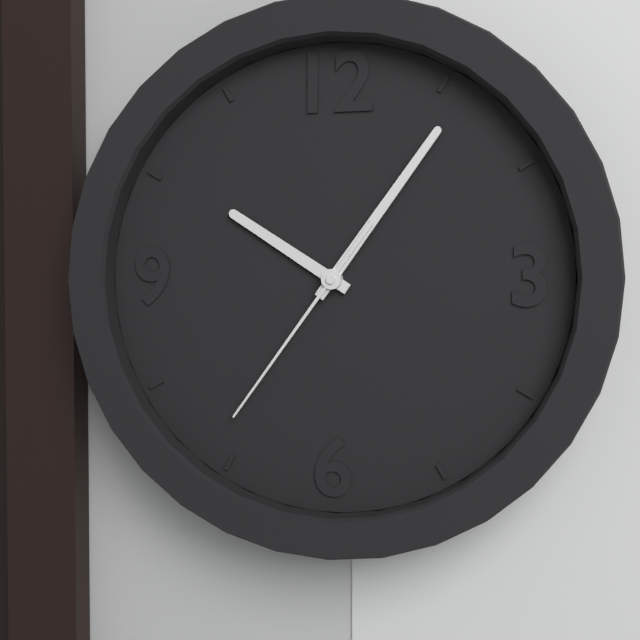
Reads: 10 h 06 min 36 s
